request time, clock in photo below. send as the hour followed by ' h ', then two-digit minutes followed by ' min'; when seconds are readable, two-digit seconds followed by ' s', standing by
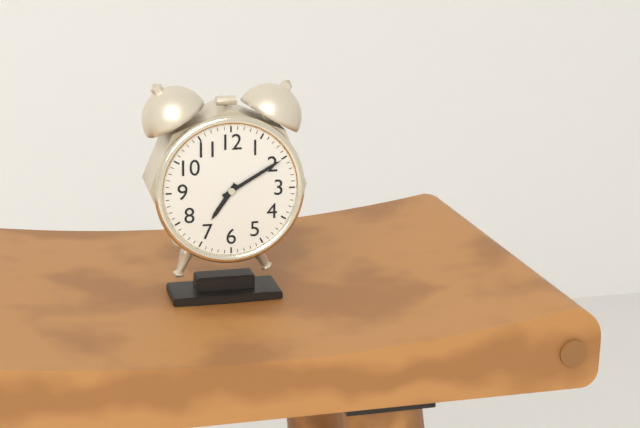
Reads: 7 h 10 min
